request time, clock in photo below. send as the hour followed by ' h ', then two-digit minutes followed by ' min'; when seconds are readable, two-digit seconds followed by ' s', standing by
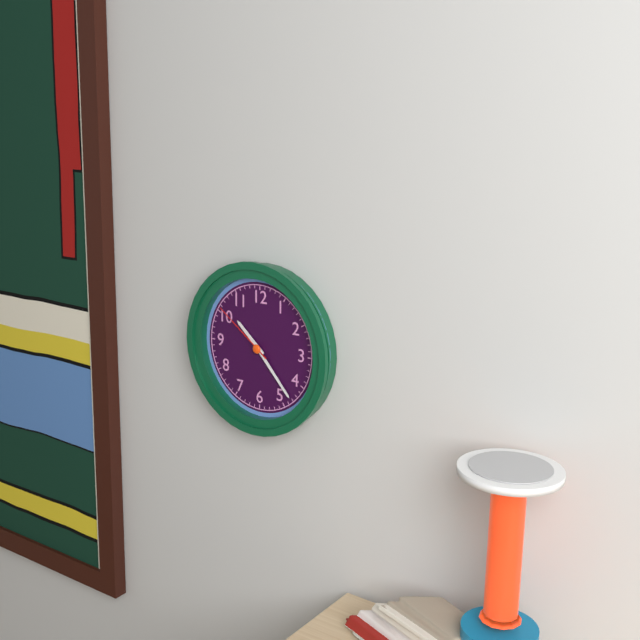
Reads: 10 h 23 min 51 s
